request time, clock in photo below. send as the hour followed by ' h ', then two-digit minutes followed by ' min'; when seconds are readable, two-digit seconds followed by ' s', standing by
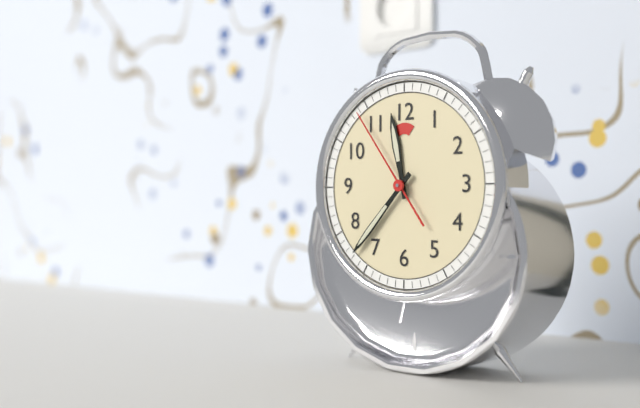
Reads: 11 h 37 min 54 s
